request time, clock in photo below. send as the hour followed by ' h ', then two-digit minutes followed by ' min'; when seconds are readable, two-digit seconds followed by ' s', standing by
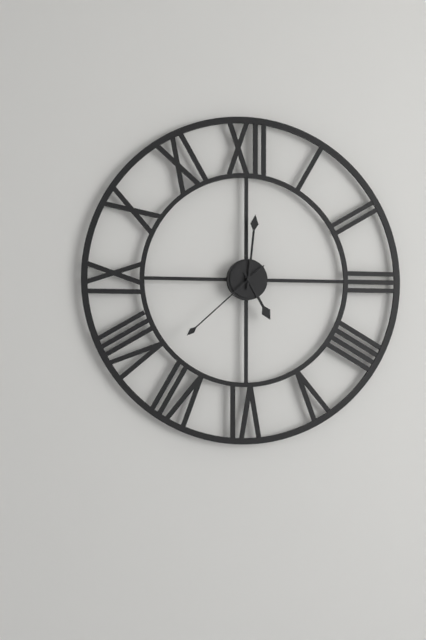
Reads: 5 h 01 min 38 s
